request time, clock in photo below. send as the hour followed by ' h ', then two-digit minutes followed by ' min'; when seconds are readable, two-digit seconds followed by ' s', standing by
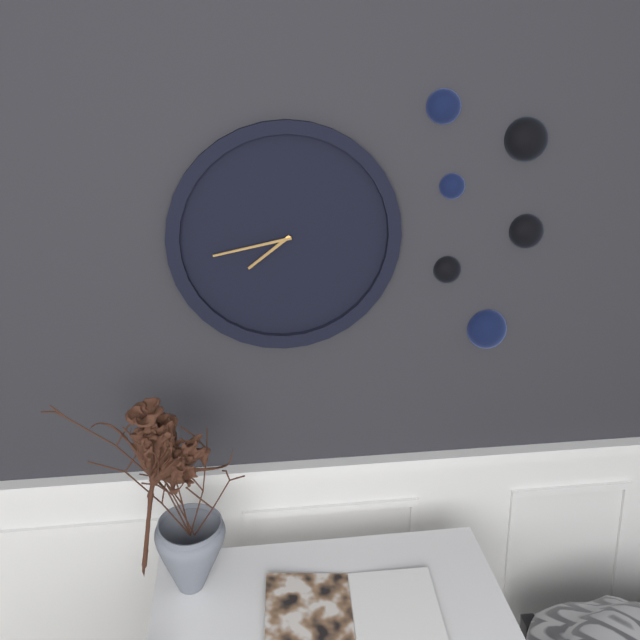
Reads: 7 h 43 min
